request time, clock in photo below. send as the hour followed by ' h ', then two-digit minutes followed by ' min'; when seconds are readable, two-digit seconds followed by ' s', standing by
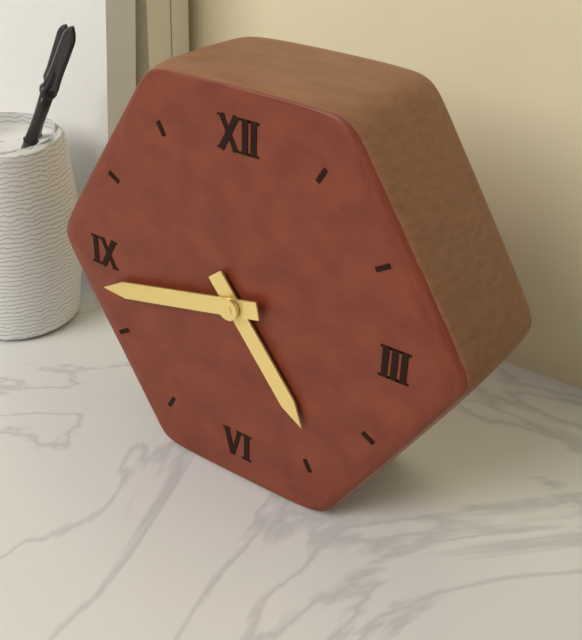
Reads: 4 h 43 min
